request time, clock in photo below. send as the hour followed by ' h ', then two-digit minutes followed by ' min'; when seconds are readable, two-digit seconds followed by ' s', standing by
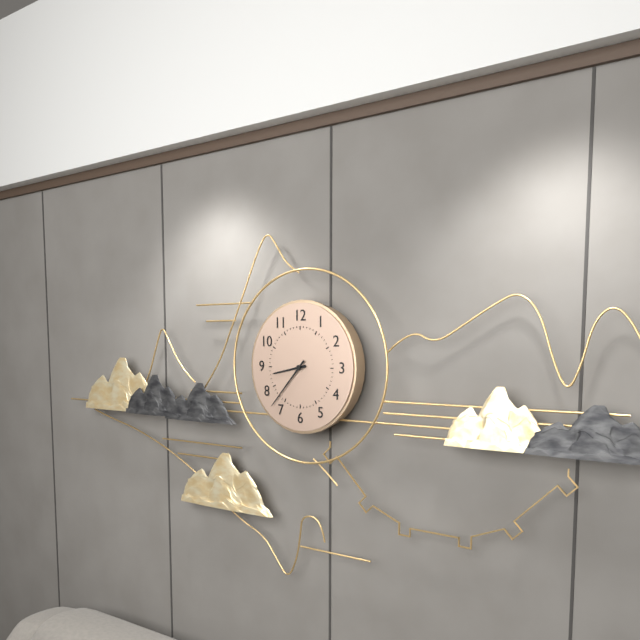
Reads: 8 h 37 min
